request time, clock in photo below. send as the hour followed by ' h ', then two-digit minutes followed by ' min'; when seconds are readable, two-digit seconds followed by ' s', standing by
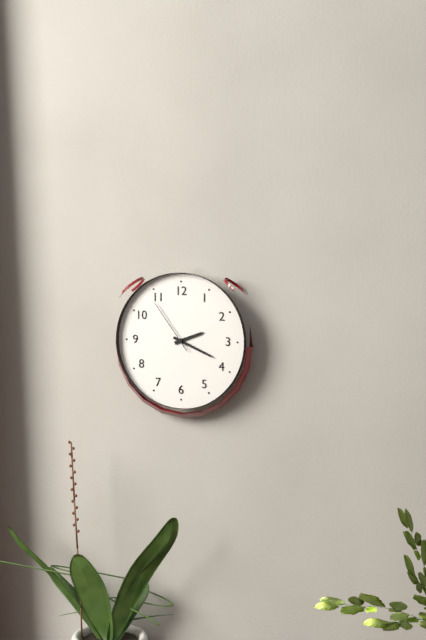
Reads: 2 h 19 min 54 s
